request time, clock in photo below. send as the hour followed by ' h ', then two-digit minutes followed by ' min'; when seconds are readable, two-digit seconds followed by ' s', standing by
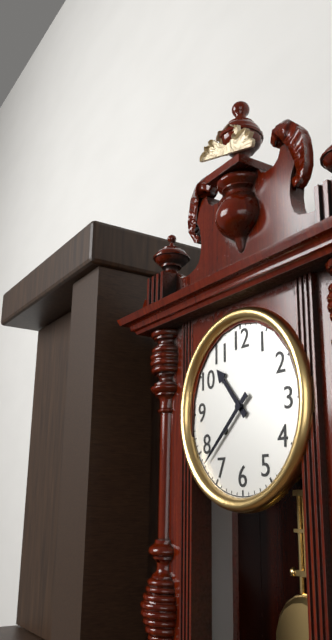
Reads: 10 h 38 min
